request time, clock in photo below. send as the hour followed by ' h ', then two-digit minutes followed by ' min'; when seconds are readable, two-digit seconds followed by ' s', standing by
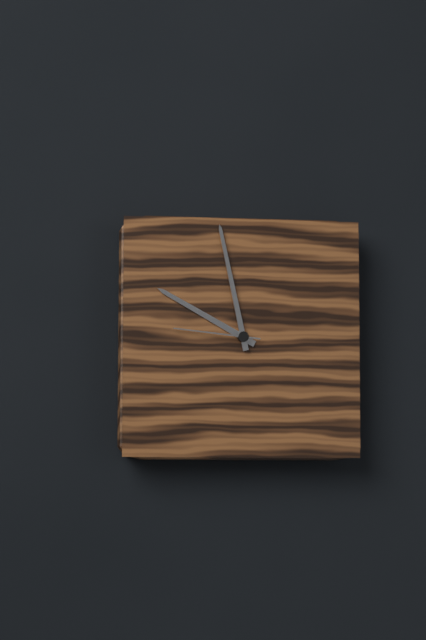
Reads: 9 h 58 min 46 s
